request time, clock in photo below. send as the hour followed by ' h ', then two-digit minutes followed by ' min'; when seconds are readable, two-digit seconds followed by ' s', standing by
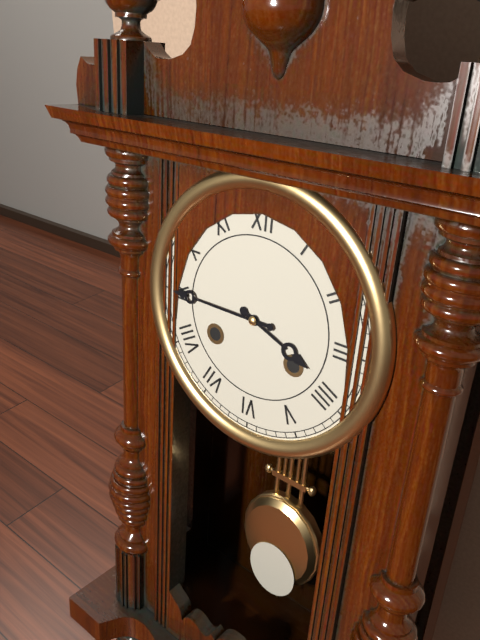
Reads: 3 h 45 min
